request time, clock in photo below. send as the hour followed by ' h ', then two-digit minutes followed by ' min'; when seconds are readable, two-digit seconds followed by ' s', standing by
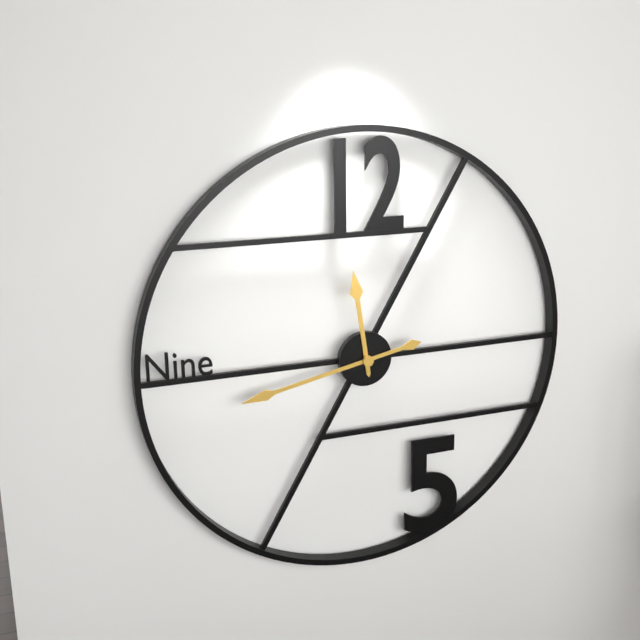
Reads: 11 h 43 min
